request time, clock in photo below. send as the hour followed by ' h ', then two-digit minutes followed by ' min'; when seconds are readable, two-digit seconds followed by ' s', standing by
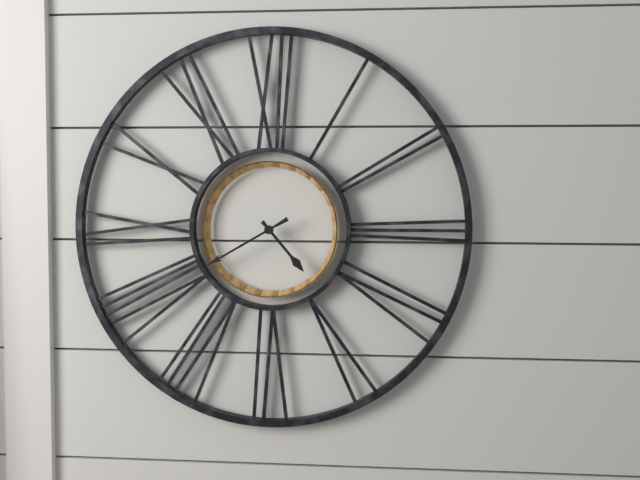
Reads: 4 h 40 min
